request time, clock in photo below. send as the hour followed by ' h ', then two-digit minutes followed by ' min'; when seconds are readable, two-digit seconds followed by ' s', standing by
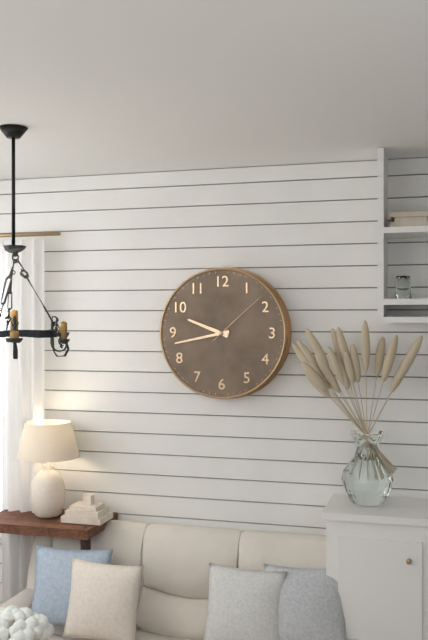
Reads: 9 h 43 min 08 s
